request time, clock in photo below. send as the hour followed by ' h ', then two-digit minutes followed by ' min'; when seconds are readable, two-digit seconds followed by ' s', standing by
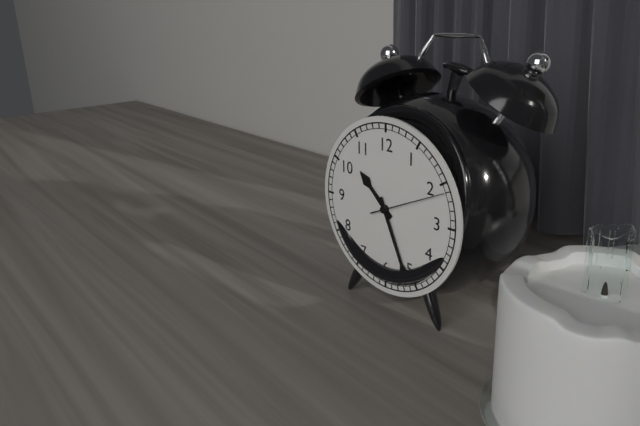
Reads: 10 h 26 min 11 s
